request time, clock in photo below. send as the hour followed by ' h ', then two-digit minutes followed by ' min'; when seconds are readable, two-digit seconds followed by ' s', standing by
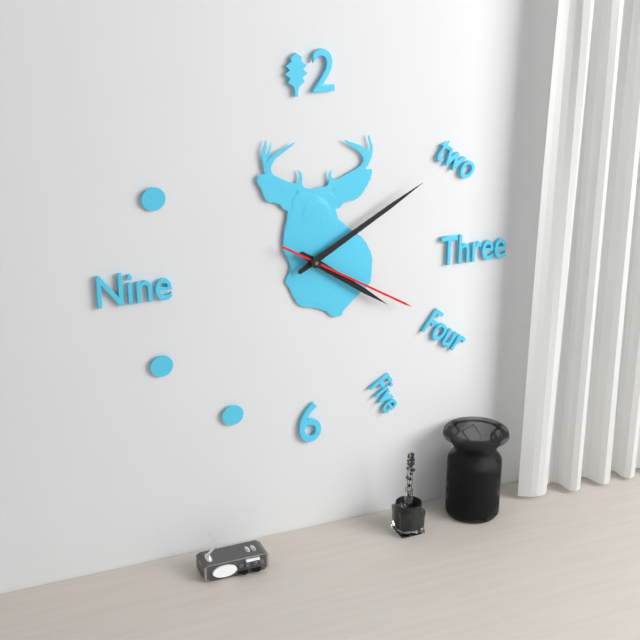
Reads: 4 h 10 min 20 s
